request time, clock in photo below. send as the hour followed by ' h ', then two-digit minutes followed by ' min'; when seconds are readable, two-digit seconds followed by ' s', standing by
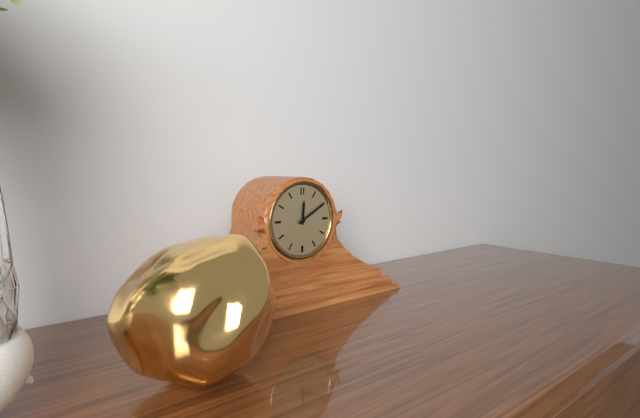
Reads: 12 h 10 min
